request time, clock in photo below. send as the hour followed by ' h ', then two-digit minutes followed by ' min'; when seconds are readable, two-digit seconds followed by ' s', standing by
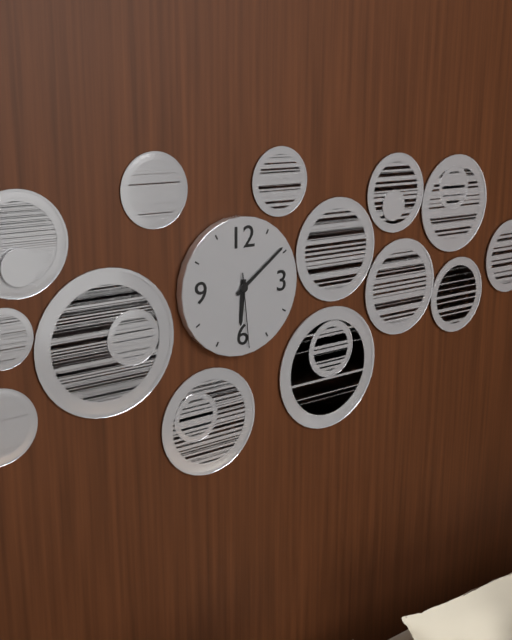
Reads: 6 h 09 min 29 s
